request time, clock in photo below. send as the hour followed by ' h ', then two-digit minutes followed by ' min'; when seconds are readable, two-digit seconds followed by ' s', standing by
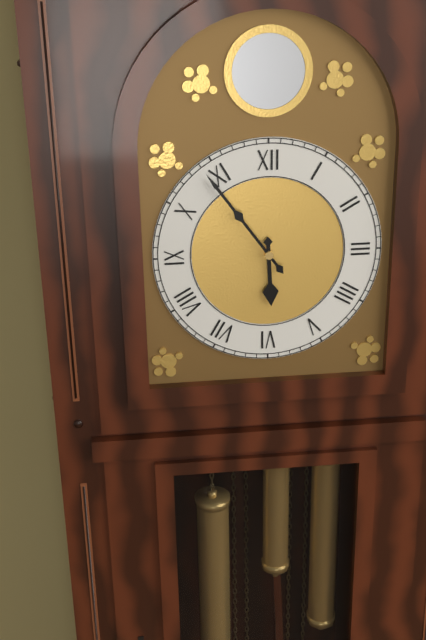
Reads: 5 h 54 min
